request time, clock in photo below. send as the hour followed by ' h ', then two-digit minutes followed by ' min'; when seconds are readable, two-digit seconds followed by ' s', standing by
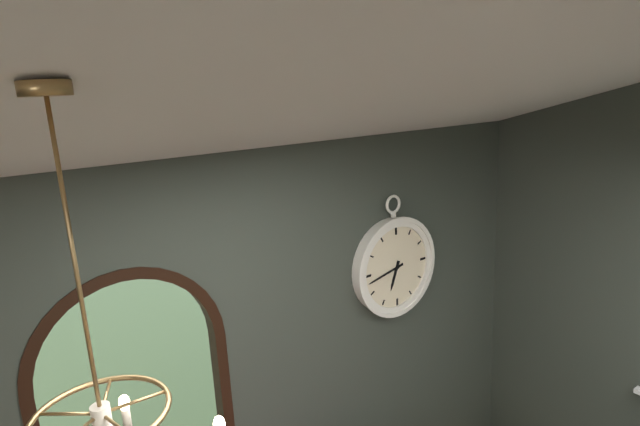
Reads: 6 h 43 min
